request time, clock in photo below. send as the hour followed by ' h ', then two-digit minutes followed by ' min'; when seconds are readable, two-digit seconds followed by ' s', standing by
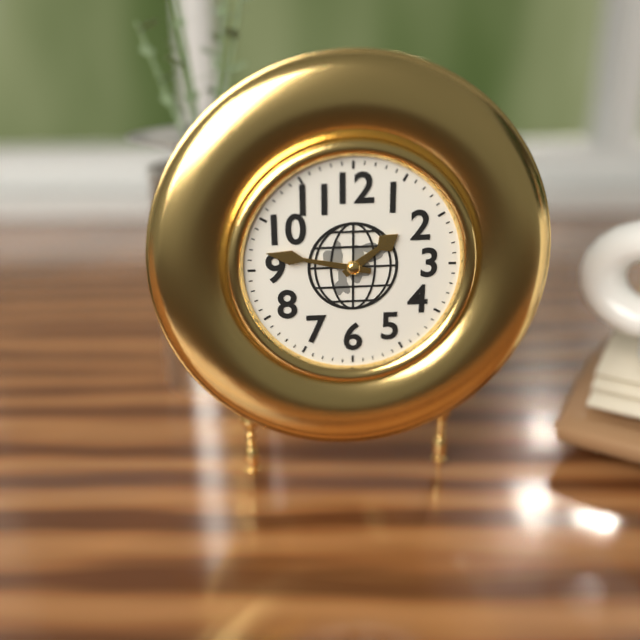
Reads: 1 h 47 min
